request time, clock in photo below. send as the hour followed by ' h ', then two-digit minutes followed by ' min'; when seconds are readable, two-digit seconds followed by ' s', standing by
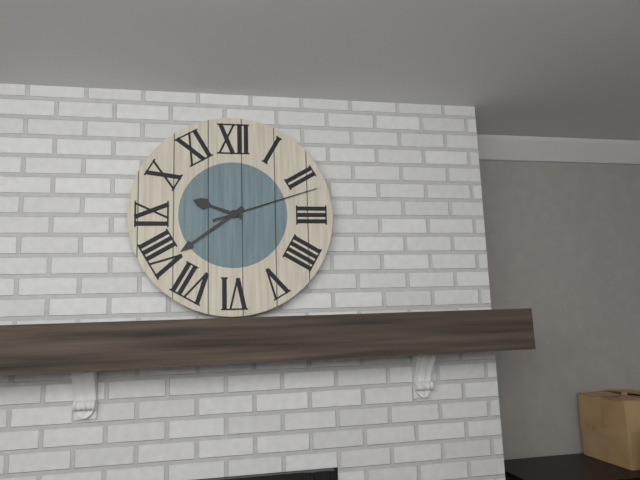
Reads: 9 h 39 min 12 s
